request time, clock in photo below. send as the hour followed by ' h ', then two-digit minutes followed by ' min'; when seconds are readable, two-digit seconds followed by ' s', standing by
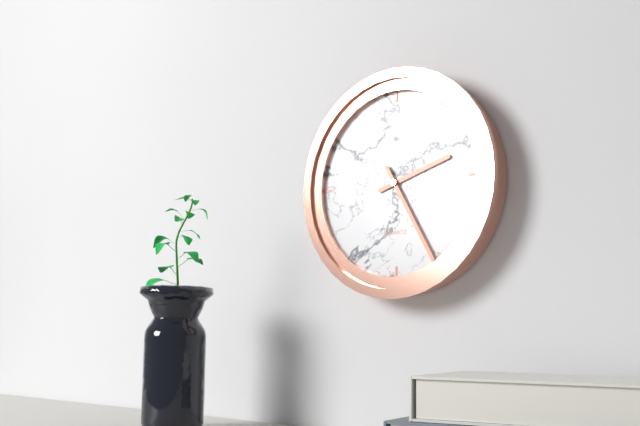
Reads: 2 h 25 min
